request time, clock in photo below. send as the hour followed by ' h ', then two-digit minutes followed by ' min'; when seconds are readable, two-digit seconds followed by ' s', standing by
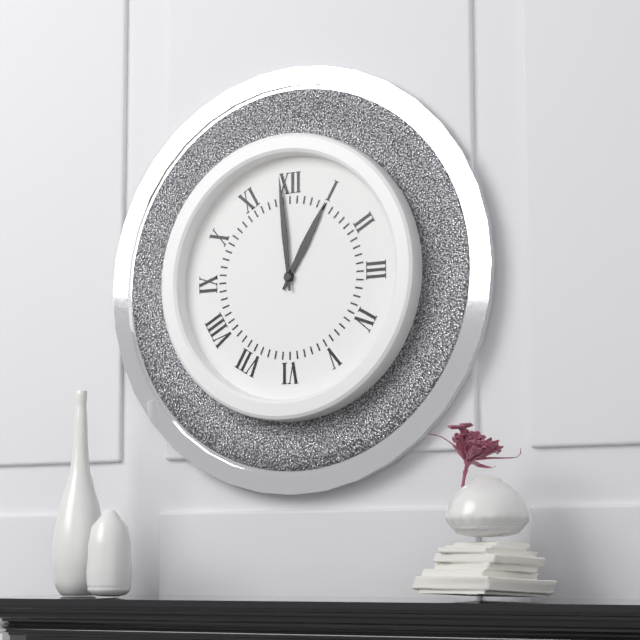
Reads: 12 h 59 min
